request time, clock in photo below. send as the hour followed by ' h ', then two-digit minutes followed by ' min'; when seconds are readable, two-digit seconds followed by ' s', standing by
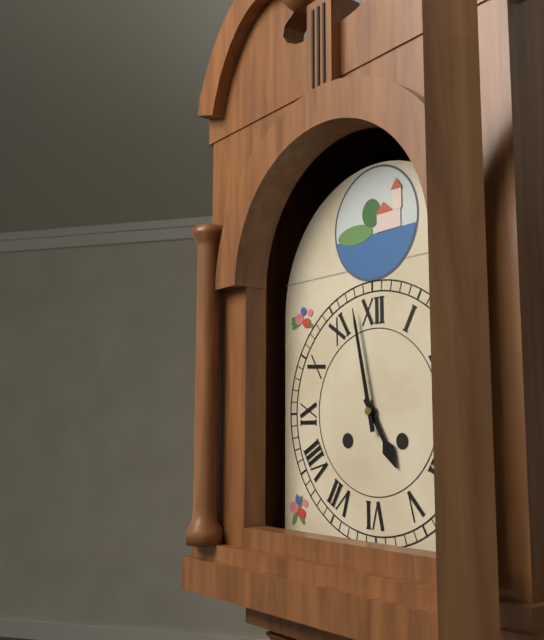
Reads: 4 h 58 min
